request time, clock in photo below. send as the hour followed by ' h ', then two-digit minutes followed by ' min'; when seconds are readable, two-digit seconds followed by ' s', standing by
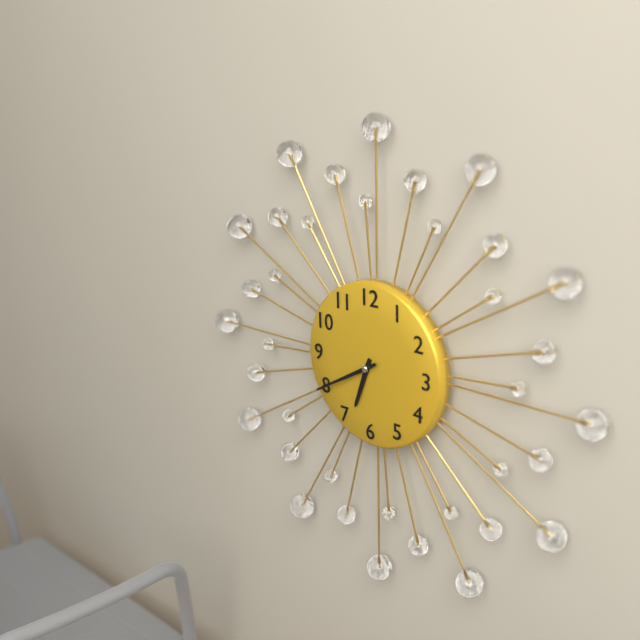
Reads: 6 h 40 min
